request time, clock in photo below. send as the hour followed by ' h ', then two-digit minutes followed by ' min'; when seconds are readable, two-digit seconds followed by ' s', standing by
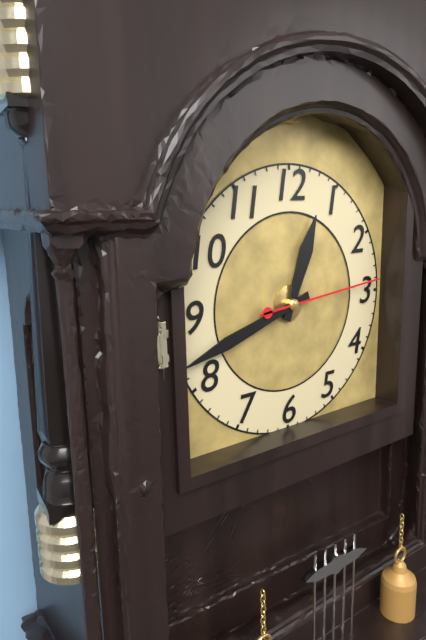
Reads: 12 h 42 min 14 s
